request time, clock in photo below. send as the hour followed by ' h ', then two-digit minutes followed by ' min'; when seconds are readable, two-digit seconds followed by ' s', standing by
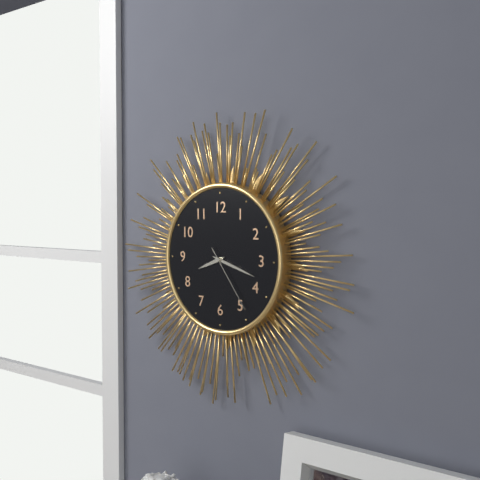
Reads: 8 h 18 min 24 s
